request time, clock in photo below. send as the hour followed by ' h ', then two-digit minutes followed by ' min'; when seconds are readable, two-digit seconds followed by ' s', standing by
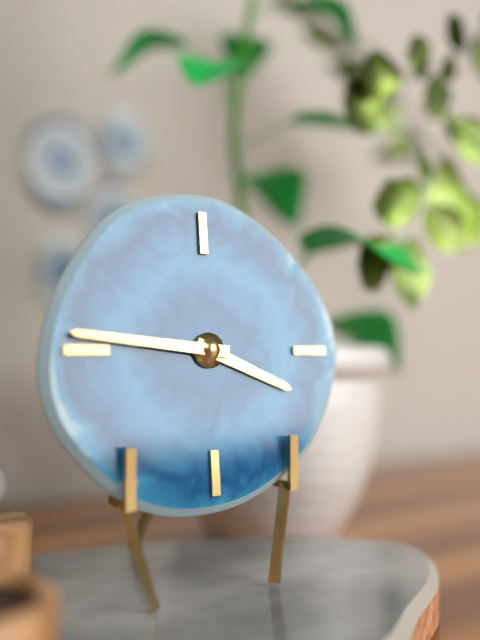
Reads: 3 h 46 min
